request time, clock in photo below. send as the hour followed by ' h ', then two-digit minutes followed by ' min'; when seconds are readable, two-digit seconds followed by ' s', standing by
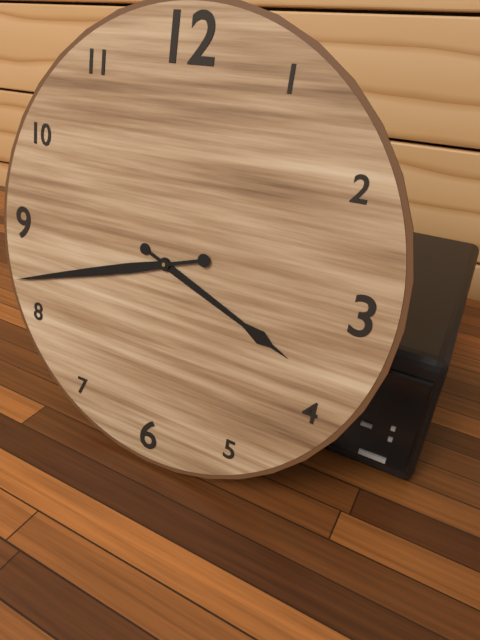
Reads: 3 h 42 min
